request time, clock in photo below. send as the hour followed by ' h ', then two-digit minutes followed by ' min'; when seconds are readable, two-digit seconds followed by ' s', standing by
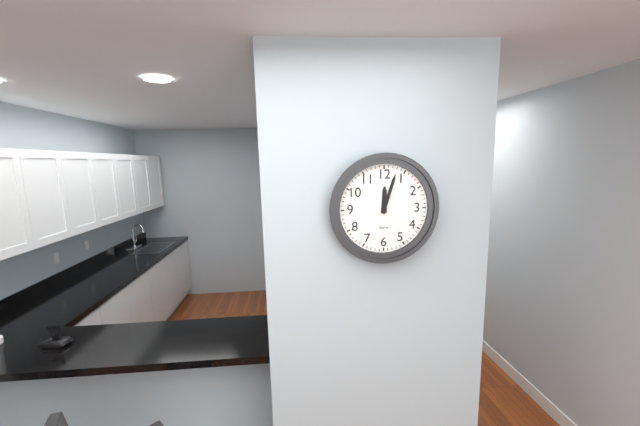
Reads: 12 h 03 min
